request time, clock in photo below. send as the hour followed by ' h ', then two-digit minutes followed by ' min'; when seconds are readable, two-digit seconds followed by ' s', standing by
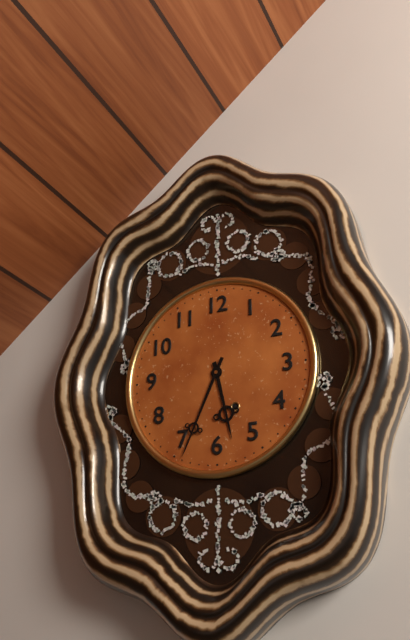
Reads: 5 h 34 min
